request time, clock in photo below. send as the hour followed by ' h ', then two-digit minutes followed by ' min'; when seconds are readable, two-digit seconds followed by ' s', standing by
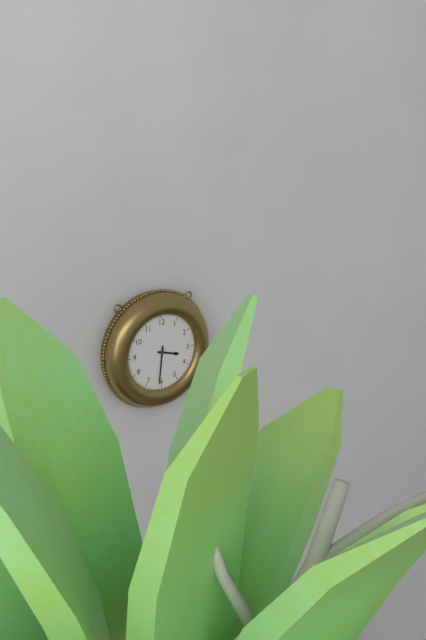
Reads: 3 h 31 min
